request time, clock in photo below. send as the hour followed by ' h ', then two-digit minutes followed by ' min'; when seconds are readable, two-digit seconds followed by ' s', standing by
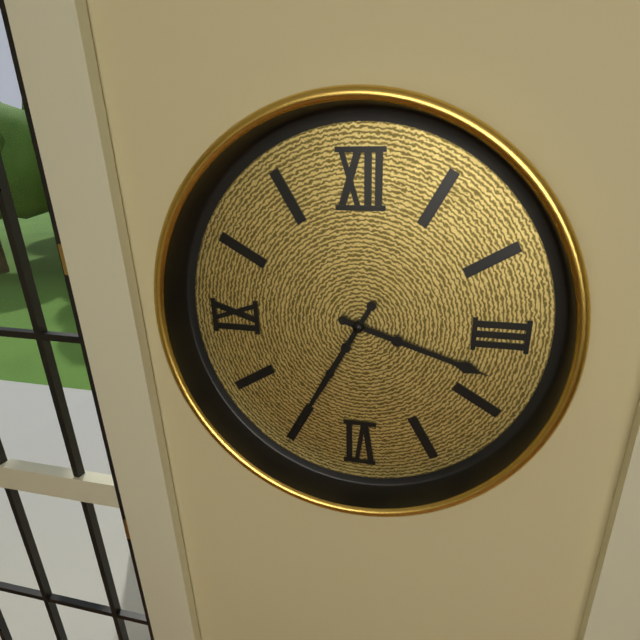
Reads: 3 h 35 min
